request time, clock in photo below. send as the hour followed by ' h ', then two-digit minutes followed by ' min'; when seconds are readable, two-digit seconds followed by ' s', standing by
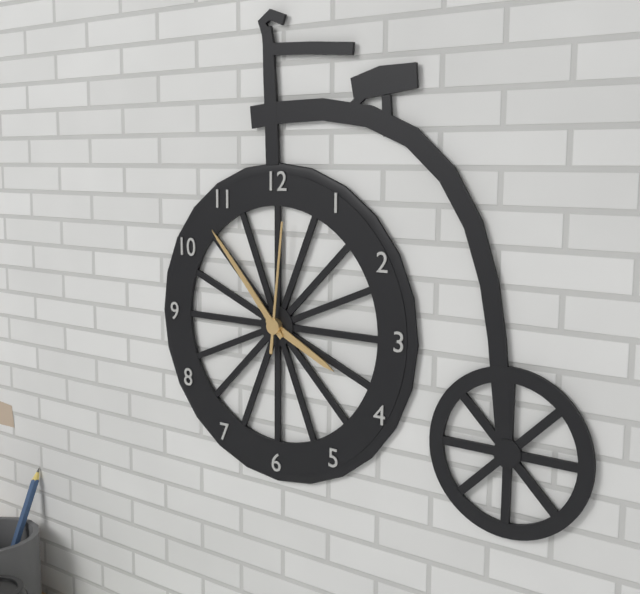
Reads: 3 h 53 min 01 s
